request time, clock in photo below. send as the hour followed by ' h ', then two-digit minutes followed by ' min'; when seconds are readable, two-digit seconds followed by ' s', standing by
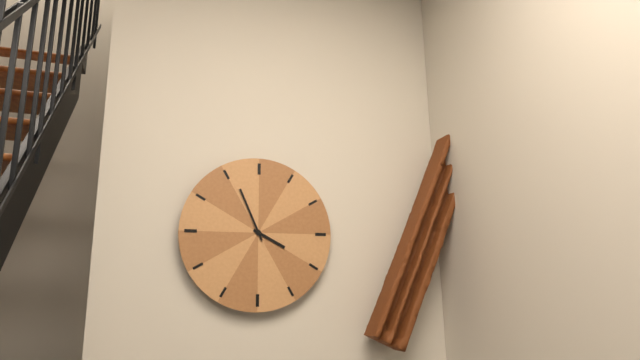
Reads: 3 h 56 min
